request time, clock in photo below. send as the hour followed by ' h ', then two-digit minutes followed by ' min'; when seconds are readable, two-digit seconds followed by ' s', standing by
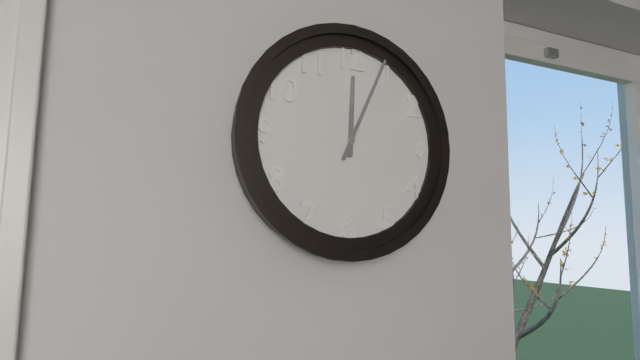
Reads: 12 h 04 min
